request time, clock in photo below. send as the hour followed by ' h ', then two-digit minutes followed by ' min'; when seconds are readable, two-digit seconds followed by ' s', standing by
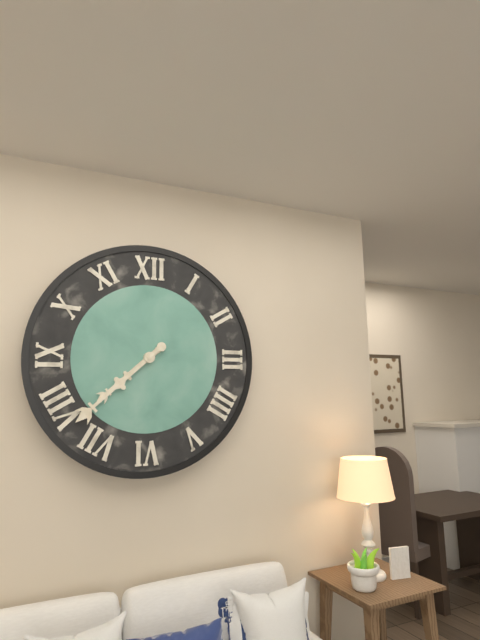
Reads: 7 h 38 min
